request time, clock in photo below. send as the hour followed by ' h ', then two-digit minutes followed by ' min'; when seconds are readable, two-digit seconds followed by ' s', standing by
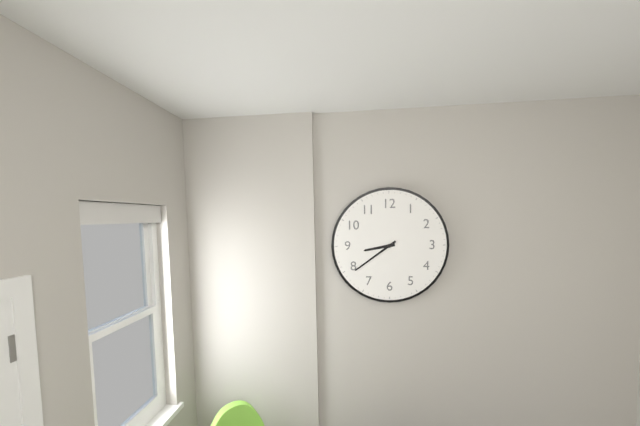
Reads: 8 h 39 min
